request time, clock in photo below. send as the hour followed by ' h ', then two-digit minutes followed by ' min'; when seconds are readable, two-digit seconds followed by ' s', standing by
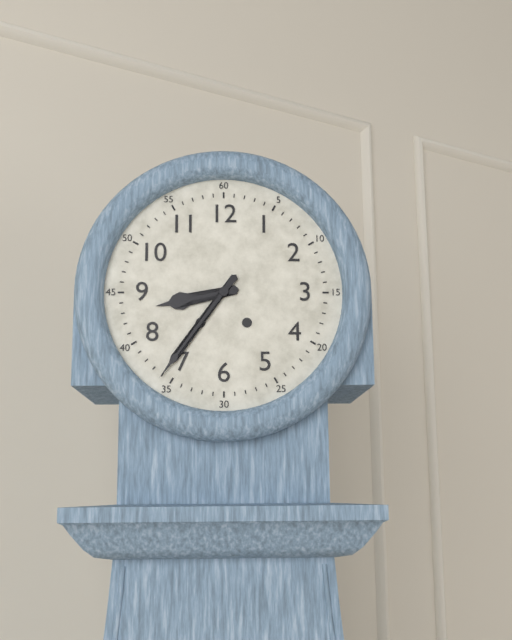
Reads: 8 h 36 min
